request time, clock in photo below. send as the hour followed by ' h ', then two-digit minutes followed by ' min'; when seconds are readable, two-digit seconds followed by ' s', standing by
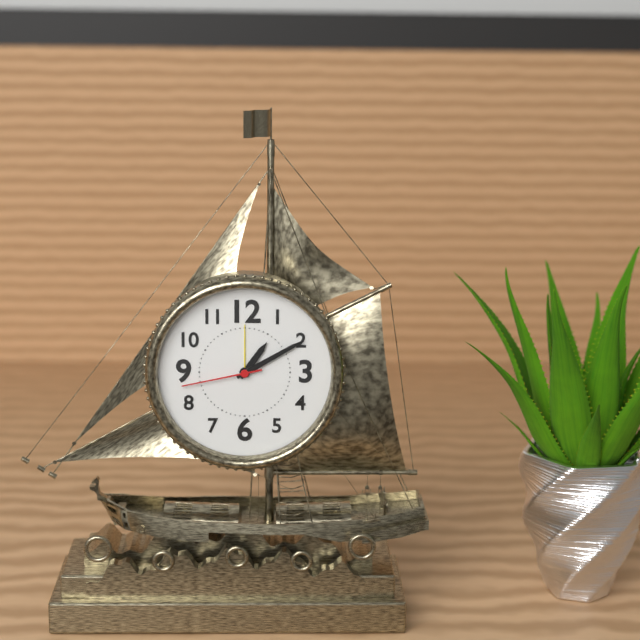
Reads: 1 h 10 min 43 s
